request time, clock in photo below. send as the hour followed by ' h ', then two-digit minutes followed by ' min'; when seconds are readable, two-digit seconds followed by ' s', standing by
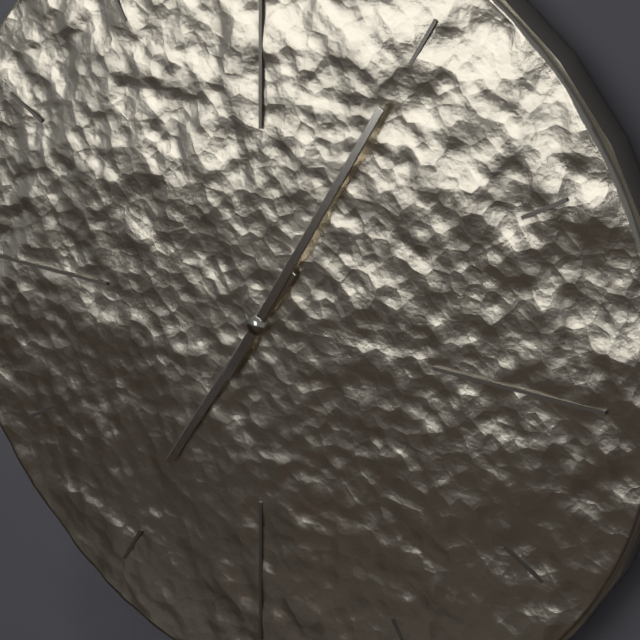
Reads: 7 h 05 min
